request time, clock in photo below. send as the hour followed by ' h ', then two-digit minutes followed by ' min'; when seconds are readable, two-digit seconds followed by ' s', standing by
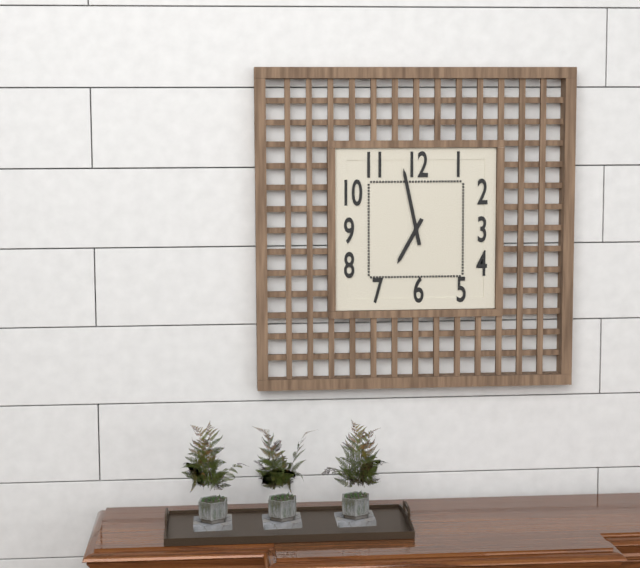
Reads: 6 h 58 min
